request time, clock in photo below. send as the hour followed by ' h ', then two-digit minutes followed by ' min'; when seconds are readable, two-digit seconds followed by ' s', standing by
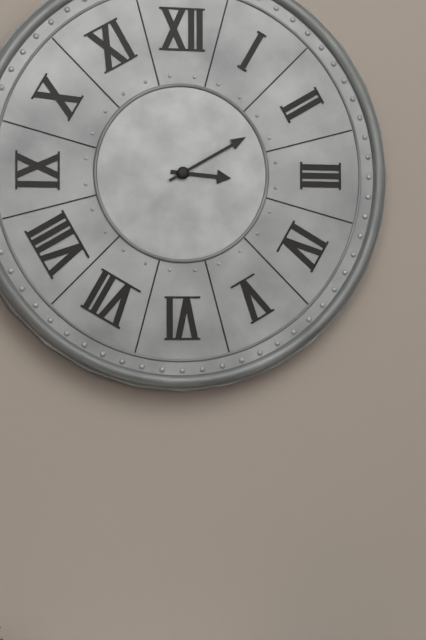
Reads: 3 h 10 min
